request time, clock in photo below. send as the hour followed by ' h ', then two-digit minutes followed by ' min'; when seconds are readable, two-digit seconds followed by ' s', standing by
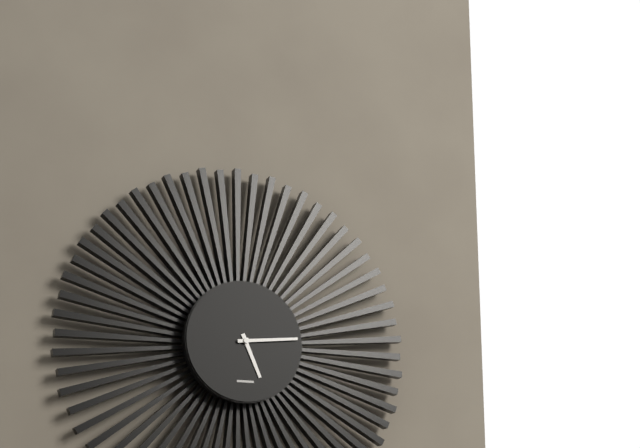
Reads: 5 h 14 min
